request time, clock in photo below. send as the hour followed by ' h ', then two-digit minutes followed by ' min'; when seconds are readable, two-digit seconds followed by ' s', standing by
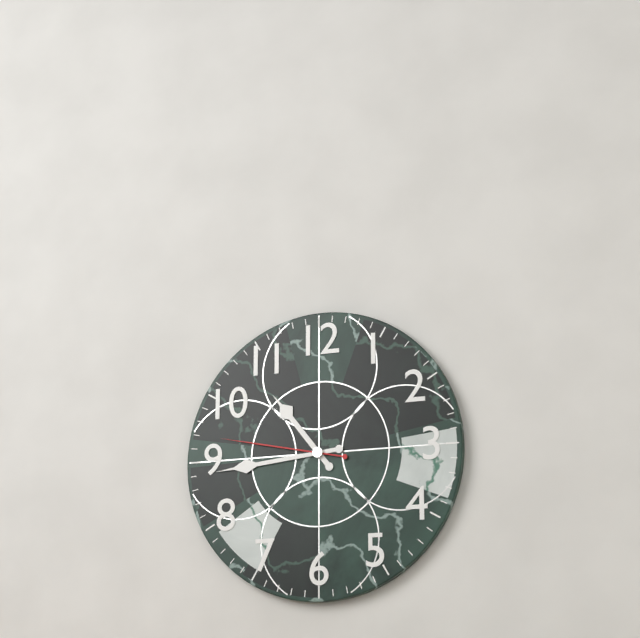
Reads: 10 h 44 min 47 s
